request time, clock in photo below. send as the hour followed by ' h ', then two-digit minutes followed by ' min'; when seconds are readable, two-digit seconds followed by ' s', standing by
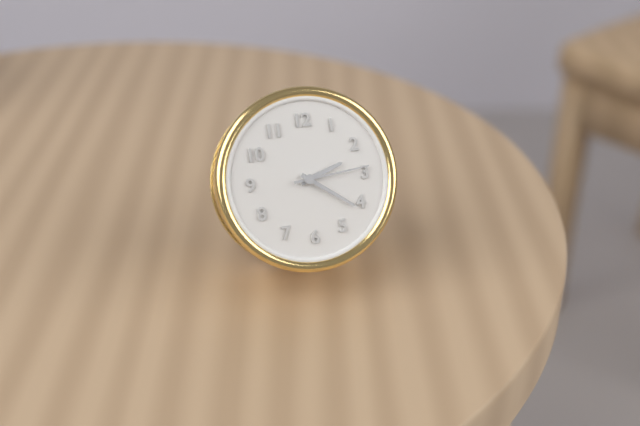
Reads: 2 h 21 min 14 s
